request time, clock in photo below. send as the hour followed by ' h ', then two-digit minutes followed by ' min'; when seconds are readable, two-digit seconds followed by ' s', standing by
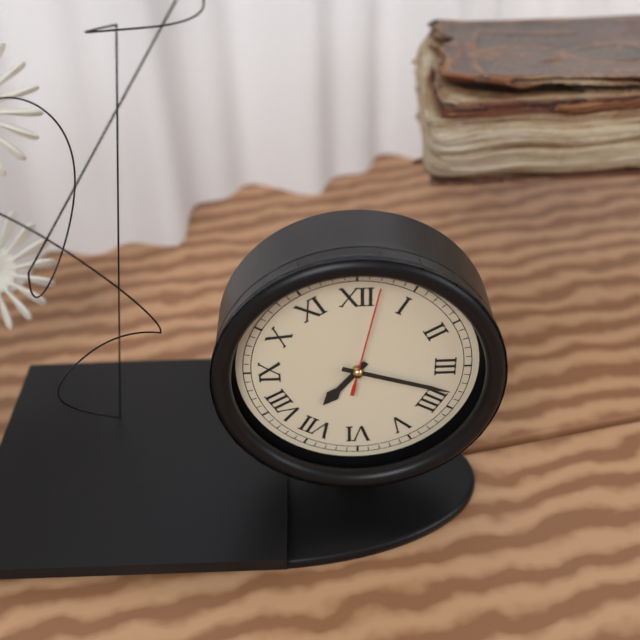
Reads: 7 h 18 min 02 s
